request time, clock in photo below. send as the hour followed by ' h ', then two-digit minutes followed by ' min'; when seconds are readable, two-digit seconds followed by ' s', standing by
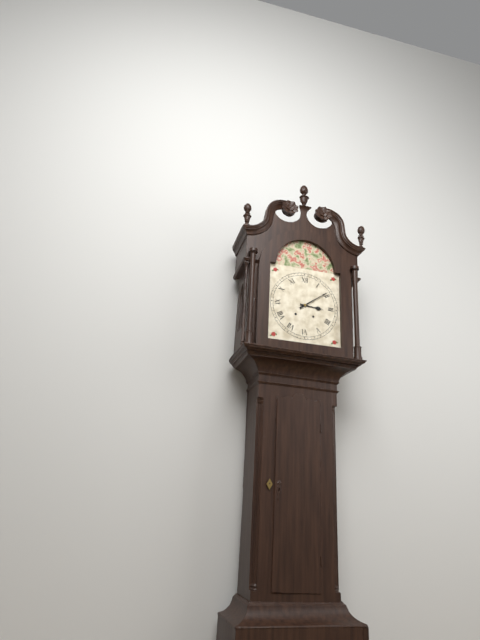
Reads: 3 h 09 min
